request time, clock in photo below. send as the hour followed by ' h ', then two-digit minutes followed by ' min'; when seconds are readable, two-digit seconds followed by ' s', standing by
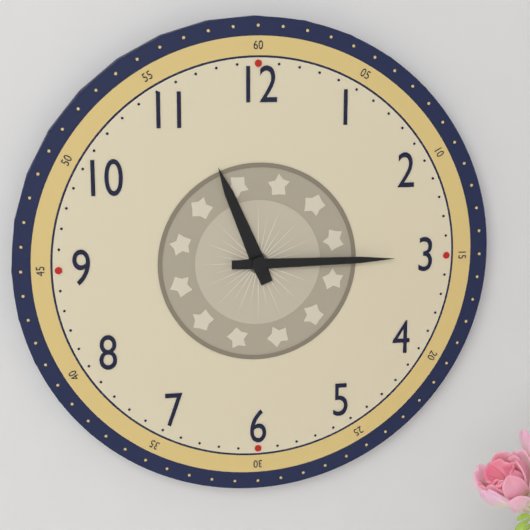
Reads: 11 h 15 min
